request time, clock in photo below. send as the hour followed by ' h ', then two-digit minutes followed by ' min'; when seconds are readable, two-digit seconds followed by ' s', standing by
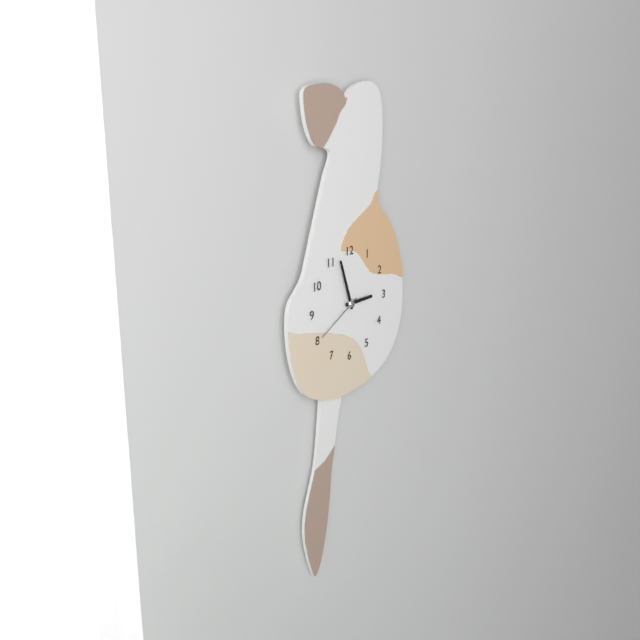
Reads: 2 h 57 min 40 s
